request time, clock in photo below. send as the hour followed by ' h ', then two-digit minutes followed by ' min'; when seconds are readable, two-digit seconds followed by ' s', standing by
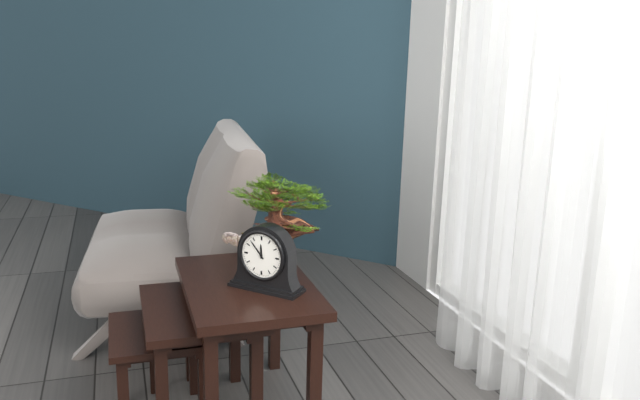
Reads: 11 h 53 min
